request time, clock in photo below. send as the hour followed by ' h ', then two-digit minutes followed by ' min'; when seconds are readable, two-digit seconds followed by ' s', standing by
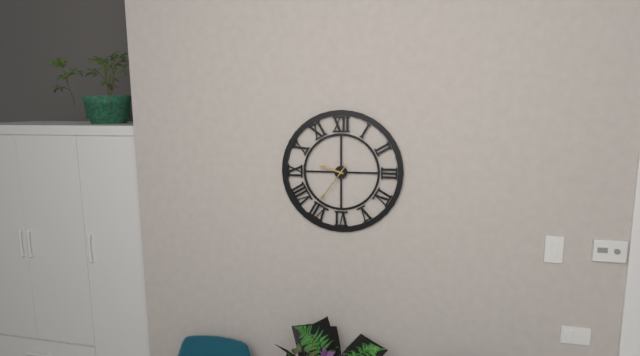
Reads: 9 h 36 min
